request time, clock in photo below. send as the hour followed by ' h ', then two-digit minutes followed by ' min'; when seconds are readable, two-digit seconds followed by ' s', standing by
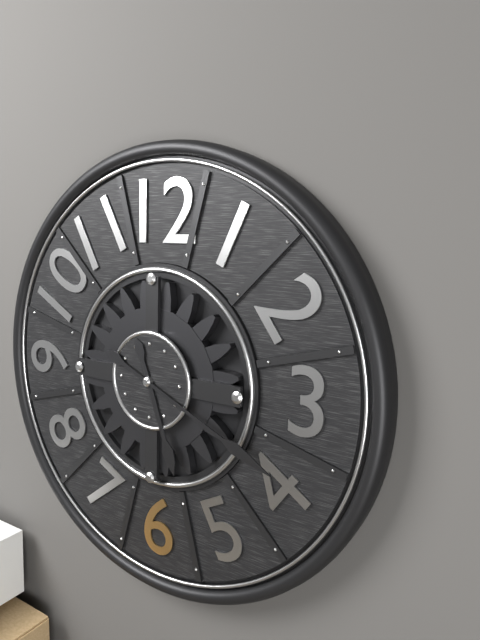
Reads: 5 h 19 min
